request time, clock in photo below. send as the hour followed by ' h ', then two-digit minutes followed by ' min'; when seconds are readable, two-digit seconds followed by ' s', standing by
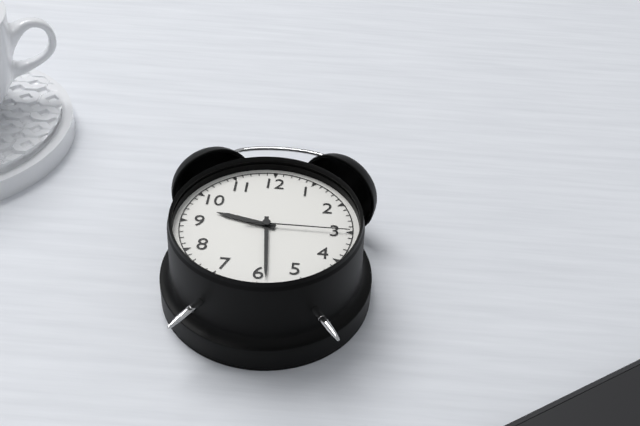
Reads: 9 h 29 min 15 s
